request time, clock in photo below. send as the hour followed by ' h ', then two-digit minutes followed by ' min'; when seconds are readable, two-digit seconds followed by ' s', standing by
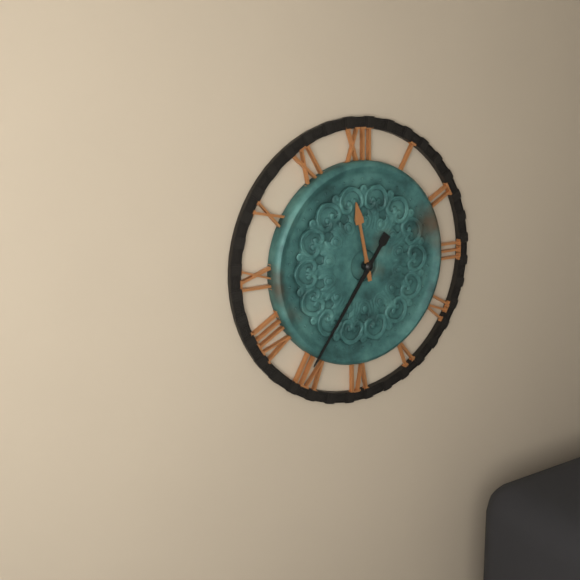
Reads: 11 h 36 min
